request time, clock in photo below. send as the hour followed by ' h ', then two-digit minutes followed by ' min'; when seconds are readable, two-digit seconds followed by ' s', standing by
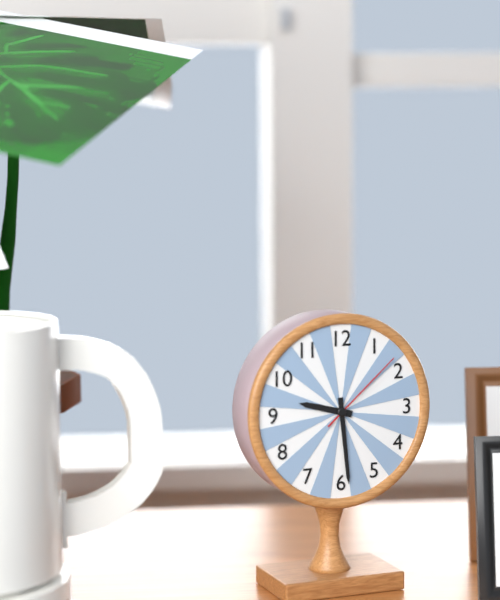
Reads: 9 h 29 min 08 s
